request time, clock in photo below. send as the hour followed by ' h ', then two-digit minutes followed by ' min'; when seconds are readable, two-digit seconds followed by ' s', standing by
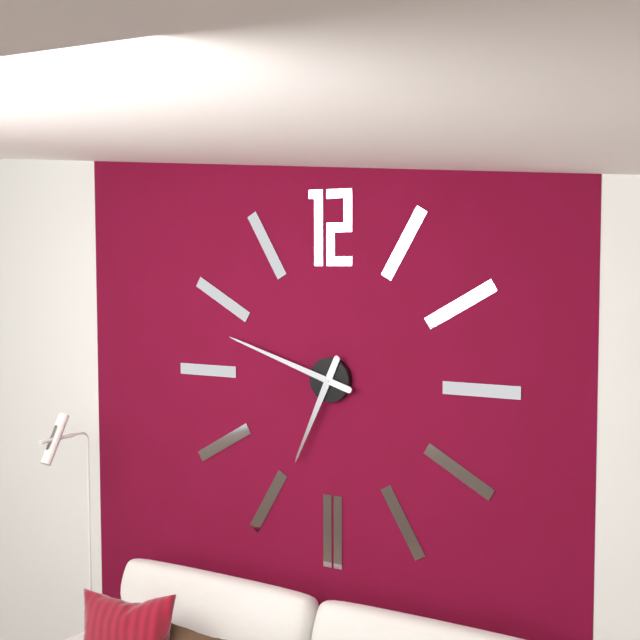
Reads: 6 h 48 min
